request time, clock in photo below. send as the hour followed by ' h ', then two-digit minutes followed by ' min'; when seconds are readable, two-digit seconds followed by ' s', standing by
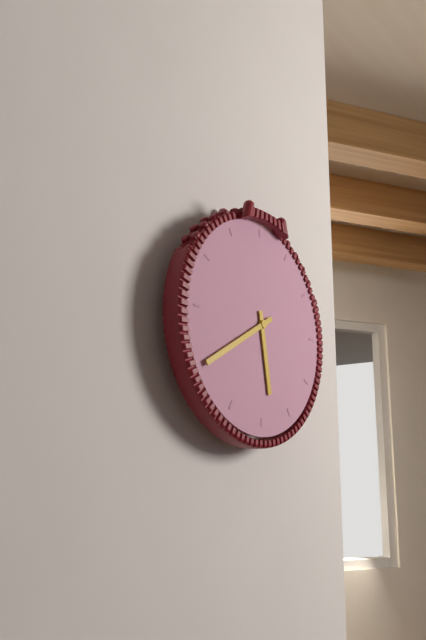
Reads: 5 h 40 min
